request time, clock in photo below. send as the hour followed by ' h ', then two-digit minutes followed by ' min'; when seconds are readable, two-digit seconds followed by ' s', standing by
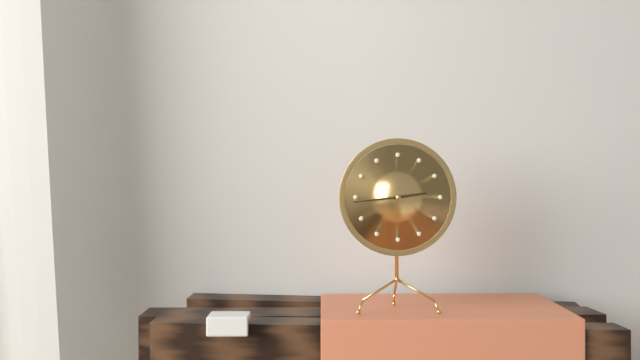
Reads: 2 h 44 min
